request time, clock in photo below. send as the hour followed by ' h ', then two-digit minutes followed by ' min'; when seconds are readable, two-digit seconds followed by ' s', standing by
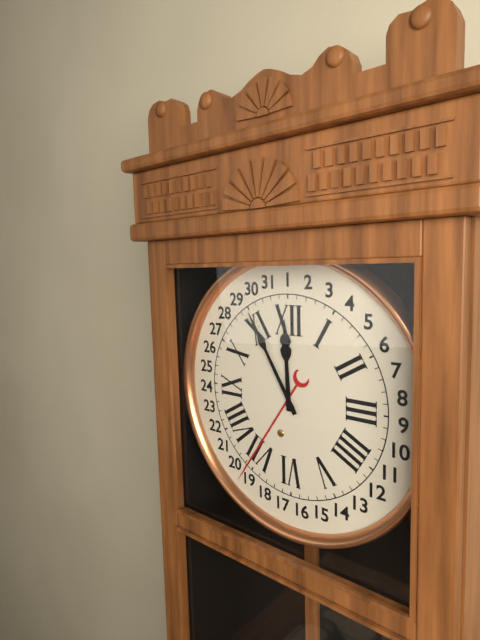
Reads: 11 h 55 min
